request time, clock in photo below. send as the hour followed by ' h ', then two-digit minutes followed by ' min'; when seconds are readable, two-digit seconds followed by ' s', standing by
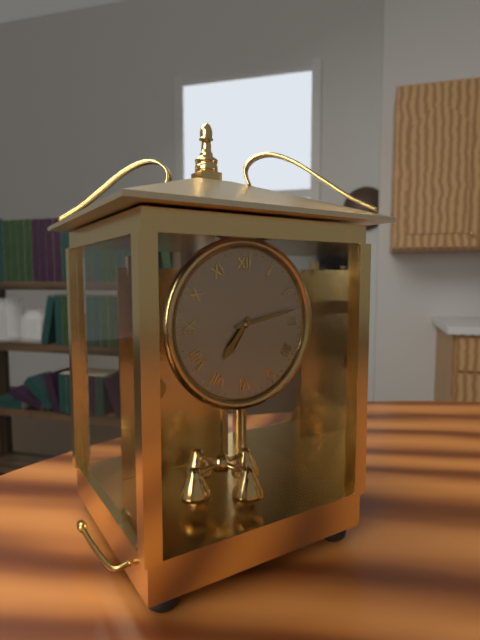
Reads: 7 h 13 min
